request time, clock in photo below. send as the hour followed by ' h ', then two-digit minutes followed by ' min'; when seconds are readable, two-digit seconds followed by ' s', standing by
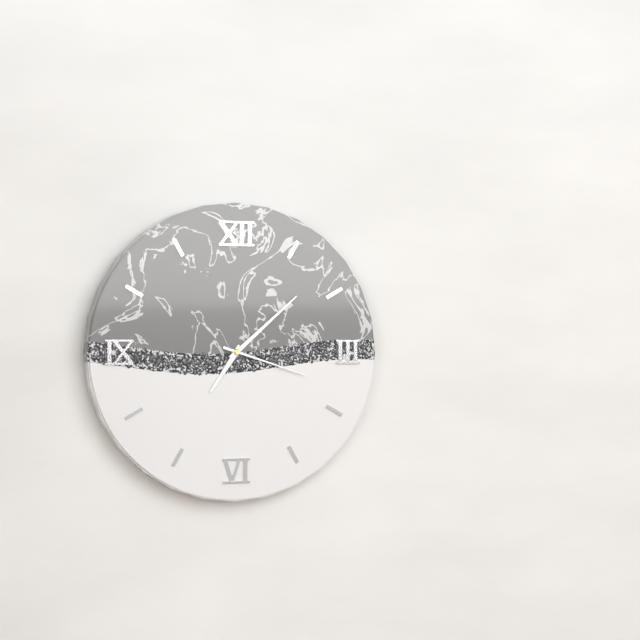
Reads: 7 h 08 min 18 s
